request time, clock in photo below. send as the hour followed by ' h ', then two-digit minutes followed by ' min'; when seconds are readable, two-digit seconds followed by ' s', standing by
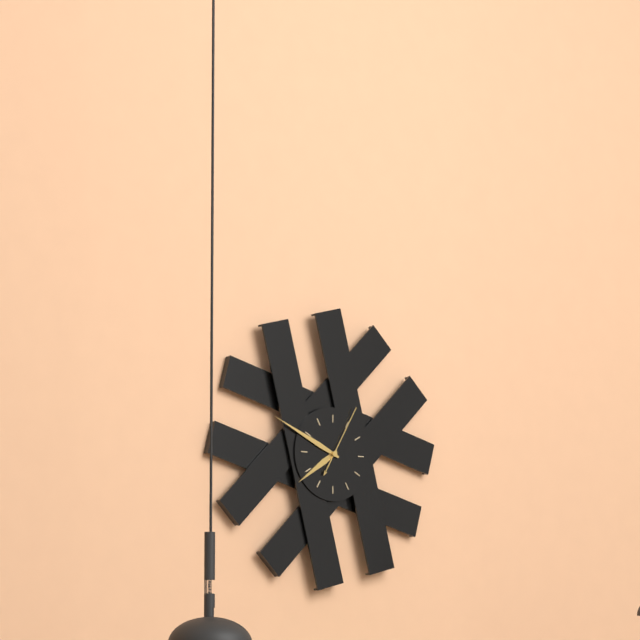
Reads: 7 h 49 min 05 s
